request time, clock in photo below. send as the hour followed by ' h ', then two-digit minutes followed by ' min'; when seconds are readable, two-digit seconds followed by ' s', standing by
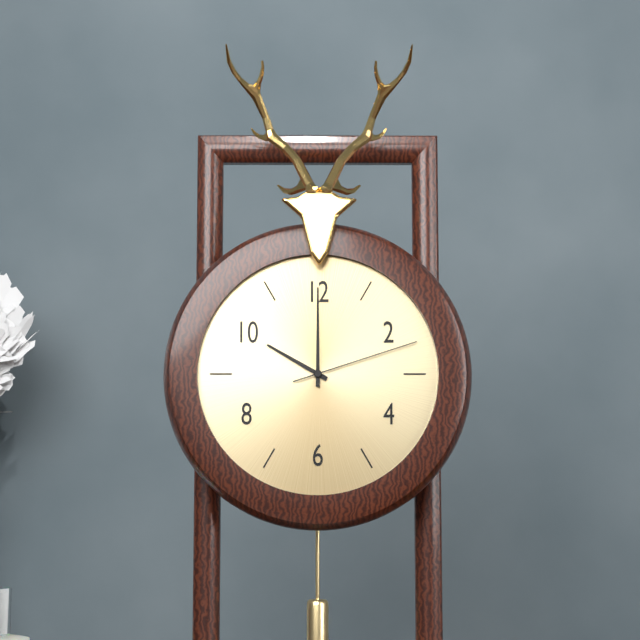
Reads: 10 h 00 min 12 s
